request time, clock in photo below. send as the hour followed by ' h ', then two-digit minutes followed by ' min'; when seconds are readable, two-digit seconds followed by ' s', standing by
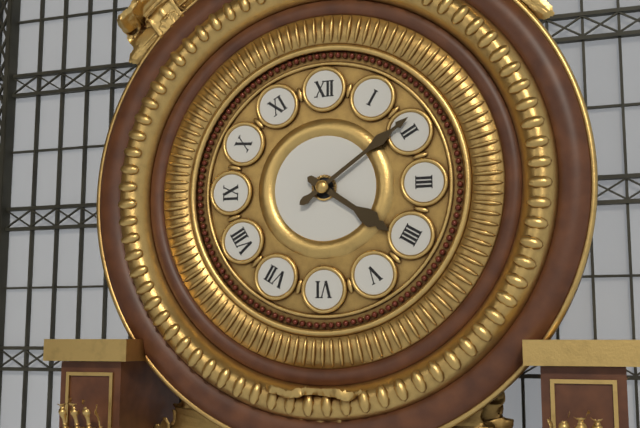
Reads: 4 h 09 min
